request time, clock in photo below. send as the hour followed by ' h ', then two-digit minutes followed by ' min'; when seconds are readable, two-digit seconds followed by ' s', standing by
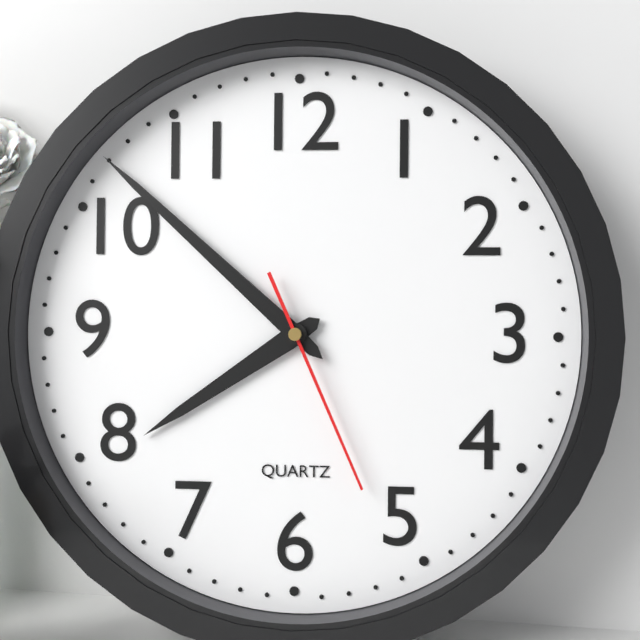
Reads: 7 h 52 min 26 s
